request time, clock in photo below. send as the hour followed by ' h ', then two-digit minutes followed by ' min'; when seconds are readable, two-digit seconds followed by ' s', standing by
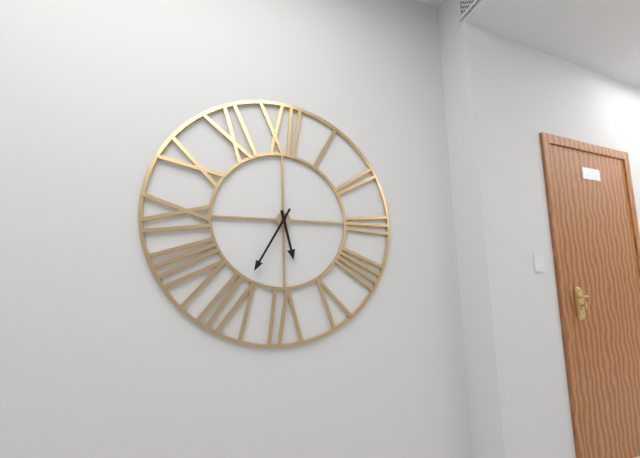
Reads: 5 h 35 min
